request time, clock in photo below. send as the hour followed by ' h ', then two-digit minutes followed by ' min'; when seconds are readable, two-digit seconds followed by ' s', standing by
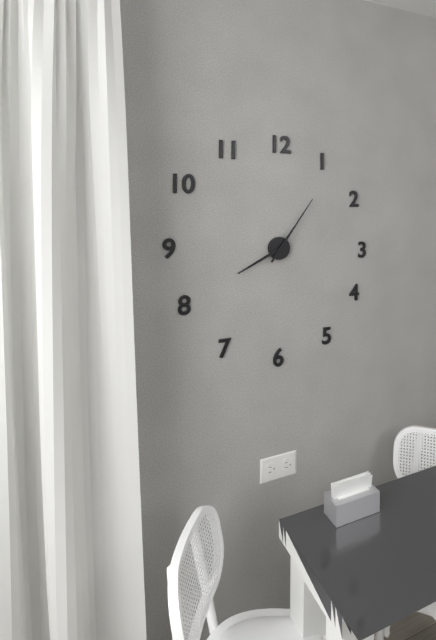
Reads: 8 h 06 min
